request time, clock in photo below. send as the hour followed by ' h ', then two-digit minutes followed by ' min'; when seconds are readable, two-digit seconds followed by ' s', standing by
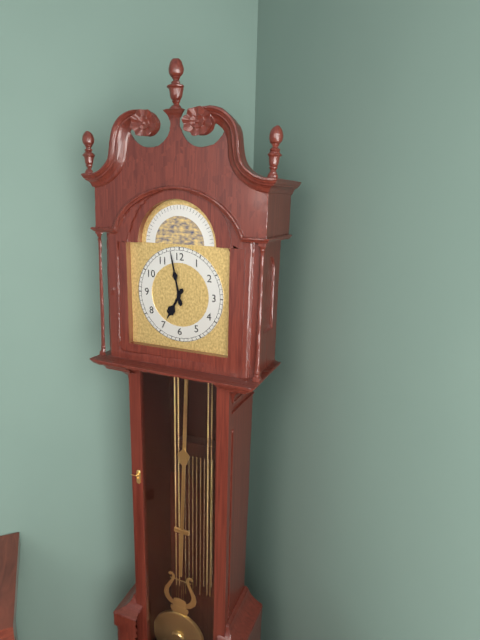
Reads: 6 h 58 min
